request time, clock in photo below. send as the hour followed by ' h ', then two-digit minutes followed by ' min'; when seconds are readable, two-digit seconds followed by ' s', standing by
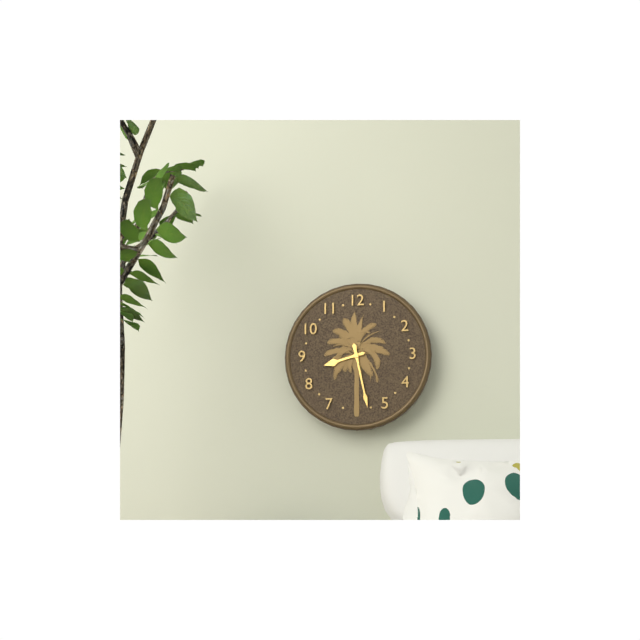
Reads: 8 h 28 min
